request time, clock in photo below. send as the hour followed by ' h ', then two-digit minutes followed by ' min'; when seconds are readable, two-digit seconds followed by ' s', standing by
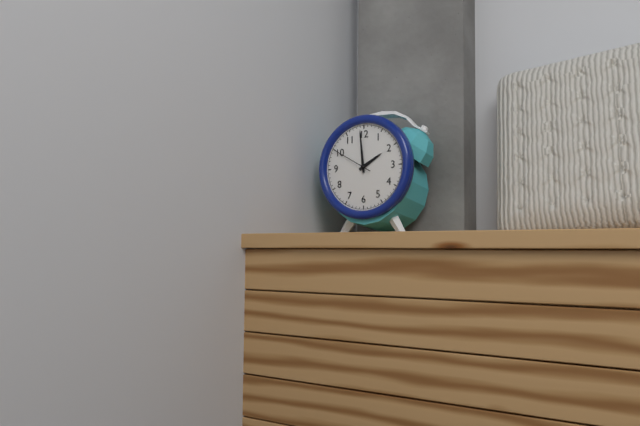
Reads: 1 h 59 min
